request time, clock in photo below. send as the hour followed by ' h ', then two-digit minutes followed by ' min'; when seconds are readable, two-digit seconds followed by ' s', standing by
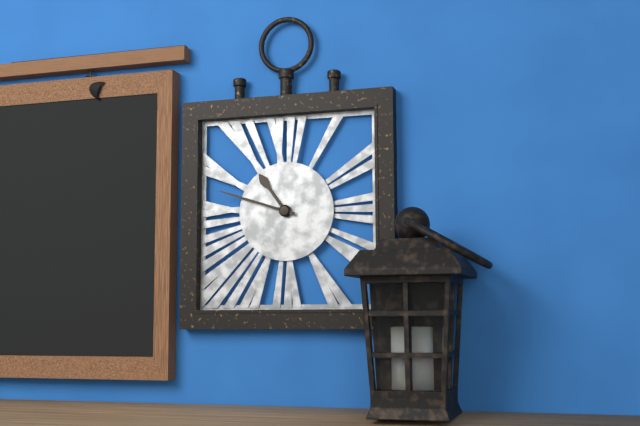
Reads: 10 h 48 min
